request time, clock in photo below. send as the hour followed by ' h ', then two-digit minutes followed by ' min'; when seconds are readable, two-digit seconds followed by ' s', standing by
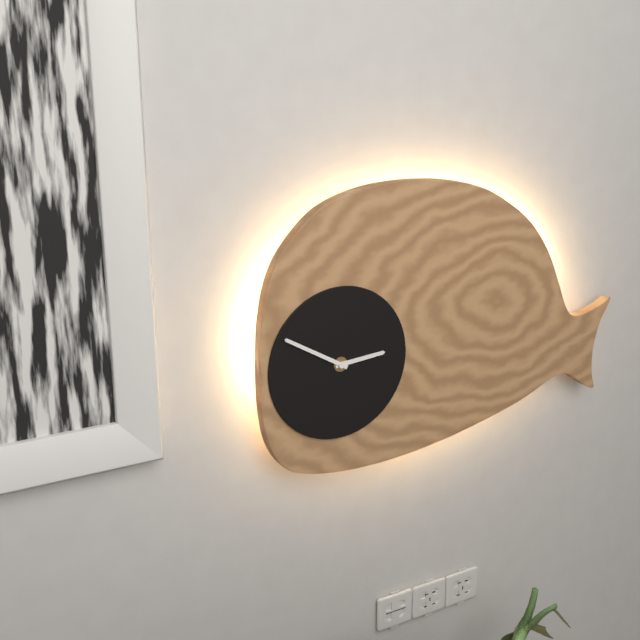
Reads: 2 h 50 min
